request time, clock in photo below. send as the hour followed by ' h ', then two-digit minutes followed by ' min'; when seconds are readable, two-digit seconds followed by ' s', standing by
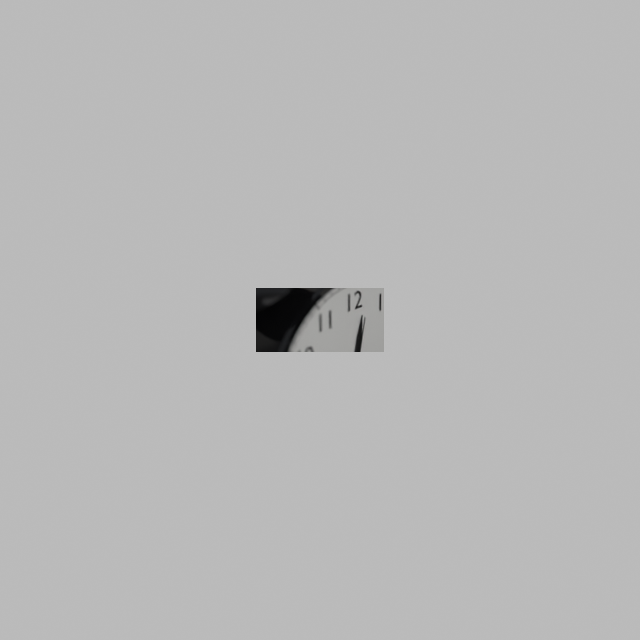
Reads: 12 h 20 min 02 s
